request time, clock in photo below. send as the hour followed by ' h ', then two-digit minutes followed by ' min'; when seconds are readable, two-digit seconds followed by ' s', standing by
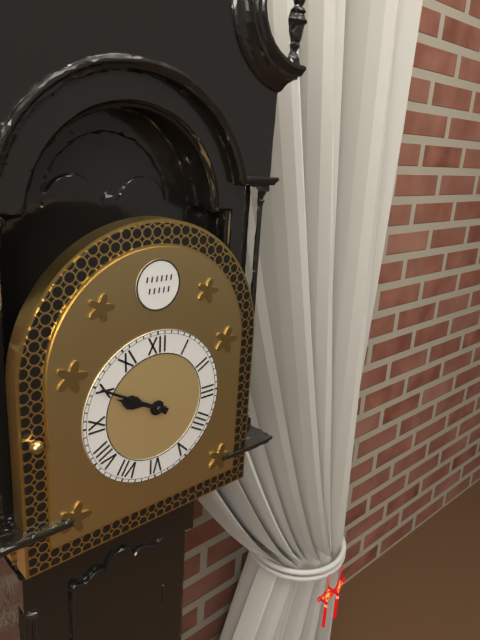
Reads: 9 h 50 min
